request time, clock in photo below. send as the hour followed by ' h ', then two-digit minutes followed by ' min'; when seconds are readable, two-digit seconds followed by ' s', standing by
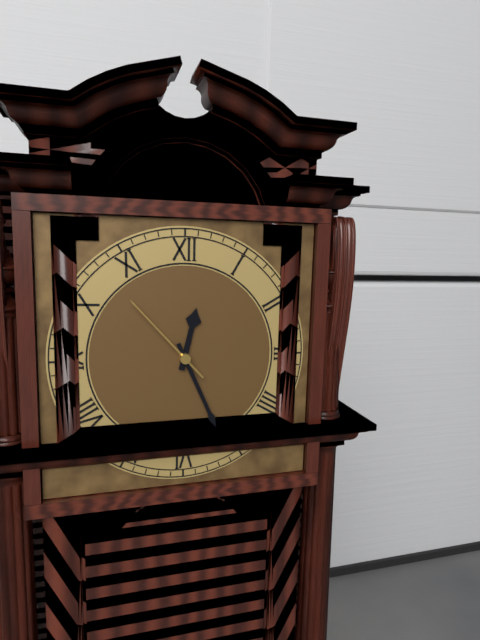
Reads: 12 h 26 min 53 s
